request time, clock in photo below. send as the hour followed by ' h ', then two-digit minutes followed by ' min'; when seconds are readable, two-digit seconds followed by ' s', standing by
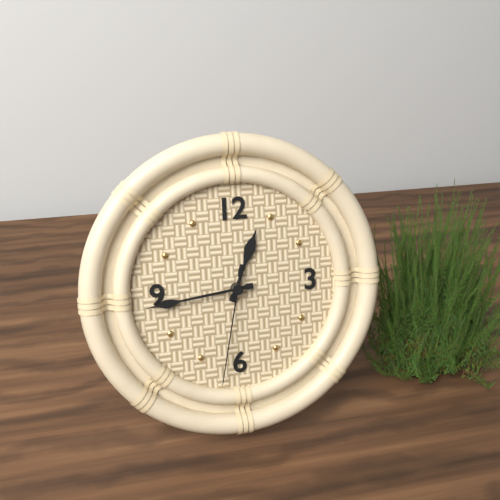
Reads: 12 h 44 min 32 s
